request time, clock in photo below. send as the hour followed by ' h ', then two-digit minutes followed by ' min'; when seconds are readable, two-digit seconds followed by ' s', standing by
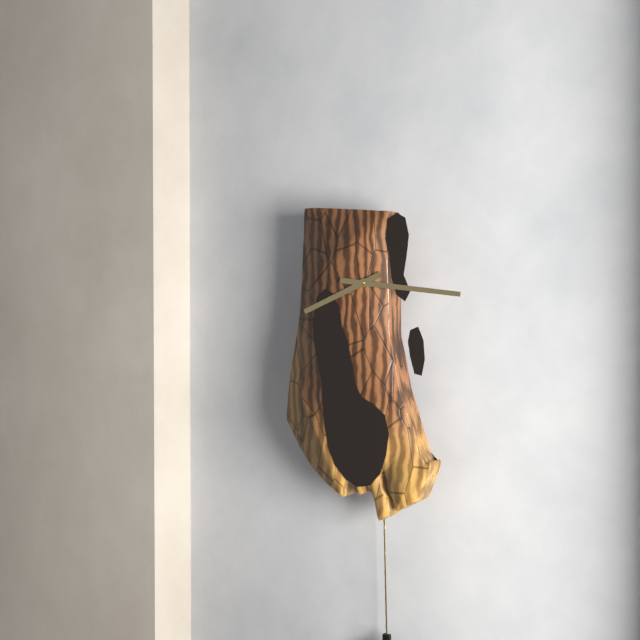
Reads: 8 h 16 min
